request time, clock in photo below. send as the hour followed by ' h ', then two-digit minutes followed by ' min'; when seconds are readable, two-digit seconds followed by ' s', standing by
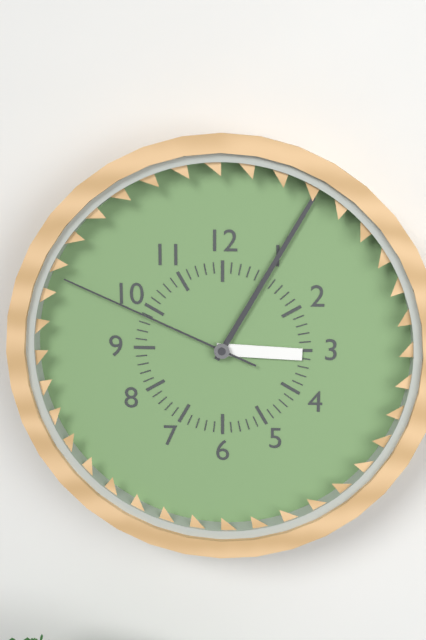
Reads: 3 h 05 min 49 s
